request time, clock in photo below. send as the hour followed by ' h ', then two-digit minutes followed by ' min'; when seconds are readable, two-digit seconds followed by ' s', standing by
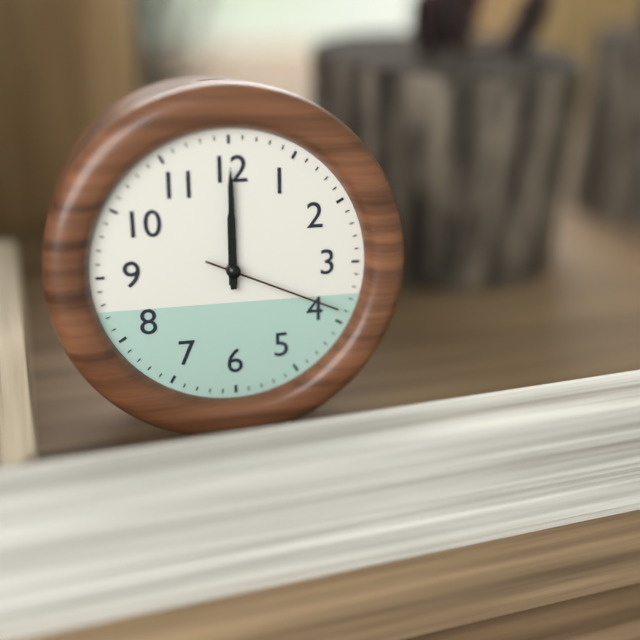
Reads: 12 h 00 min 19 s
